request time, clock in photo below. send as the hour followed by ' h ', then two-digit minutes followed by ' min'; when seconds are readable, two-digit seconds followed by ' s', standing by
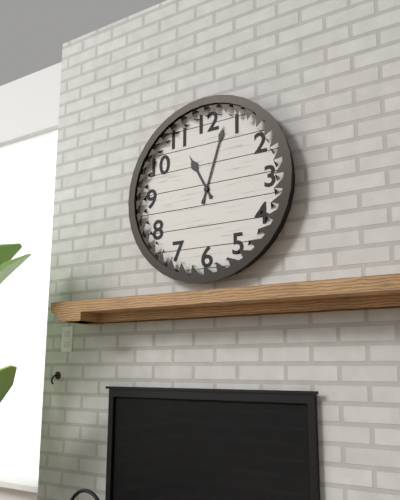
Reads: 11 h 03 min
